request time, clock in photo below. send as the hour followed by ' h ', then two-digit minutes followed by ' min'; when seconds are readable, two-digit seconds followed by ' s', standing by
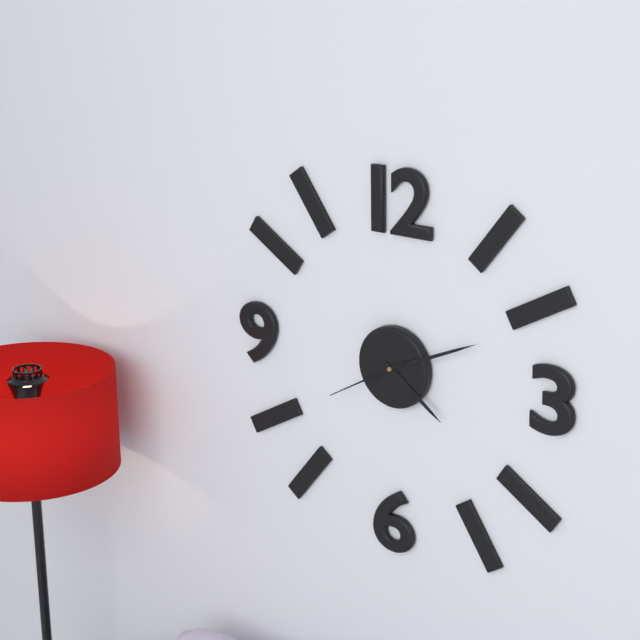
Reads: 4 h 11 min 40 s
